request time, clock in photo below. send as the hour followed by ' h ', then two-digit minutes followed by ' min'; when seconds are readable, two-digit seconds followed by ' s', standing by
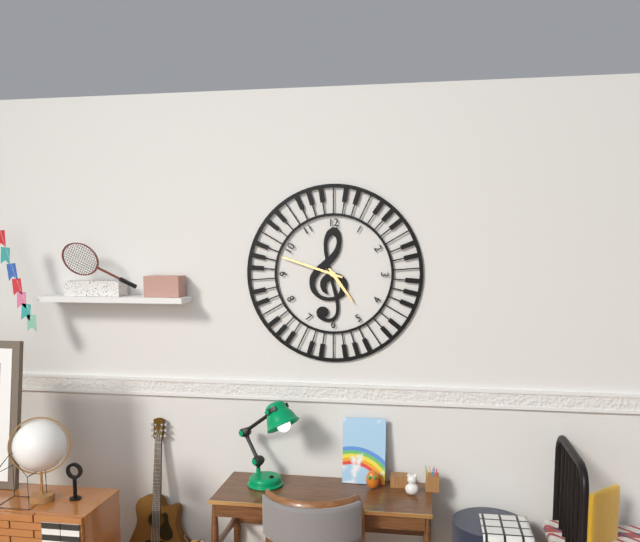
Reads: 4 h 48 min
